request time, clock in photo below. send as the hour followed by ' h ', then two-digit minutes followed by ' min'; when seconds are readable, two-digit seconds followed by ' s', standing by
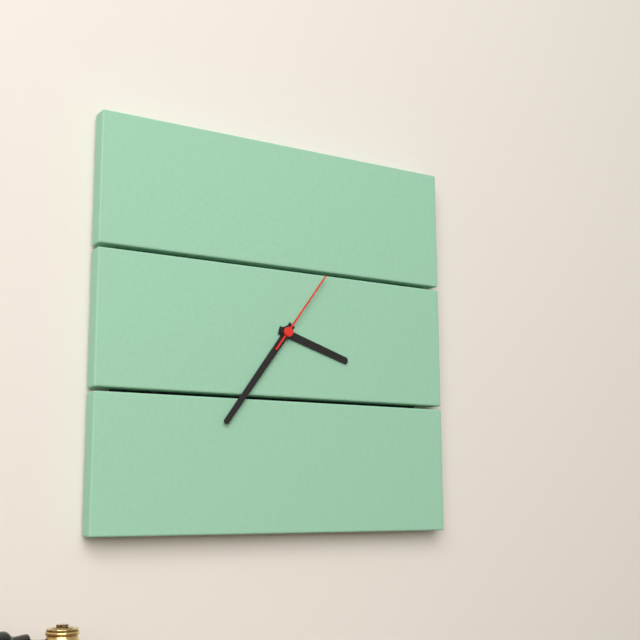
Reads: 3 h 36 min 06 s
